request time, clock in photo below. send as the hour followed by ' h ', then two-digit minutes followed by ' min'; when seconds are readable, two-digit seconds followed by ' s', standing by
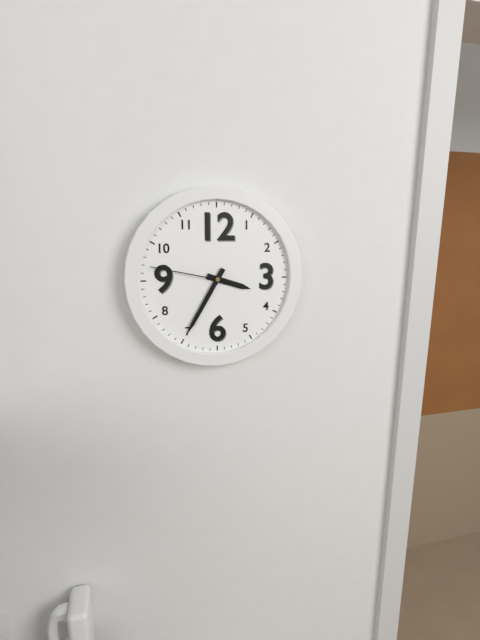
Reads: 3 h 35 min 47 s
